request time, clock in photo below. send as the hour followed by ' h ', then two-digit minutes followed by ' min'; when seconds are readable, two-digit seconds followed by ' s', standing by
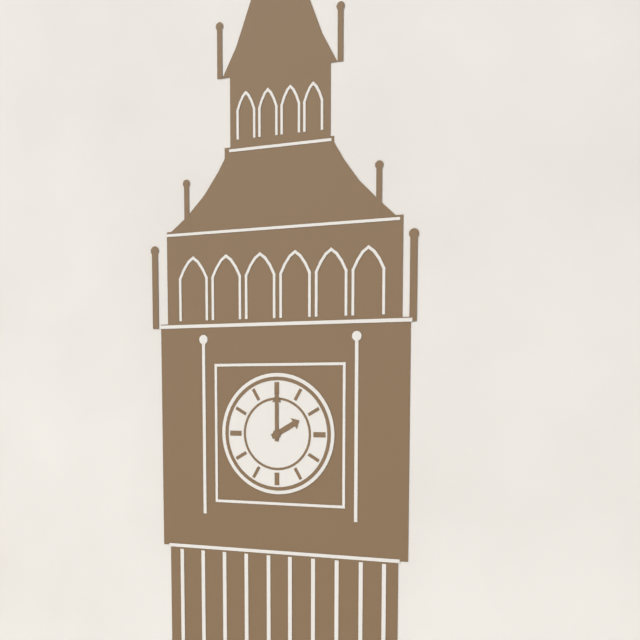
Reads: 2 h 00 min
